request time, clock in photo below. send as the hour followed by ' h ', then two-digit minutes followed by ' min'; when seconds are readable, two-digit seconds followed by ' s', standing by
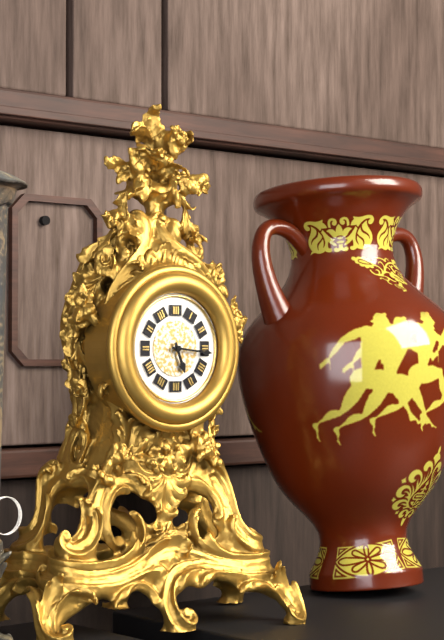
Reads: 5 h 16 min
